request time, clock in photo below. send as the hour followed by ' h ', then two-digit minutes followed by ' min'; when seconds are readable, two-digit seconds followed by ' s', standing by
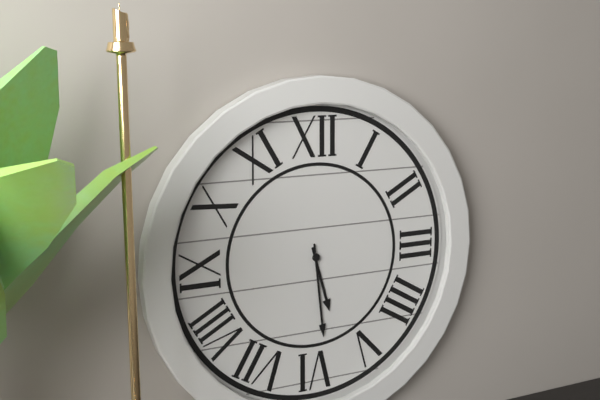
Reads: 5 h 29 min
